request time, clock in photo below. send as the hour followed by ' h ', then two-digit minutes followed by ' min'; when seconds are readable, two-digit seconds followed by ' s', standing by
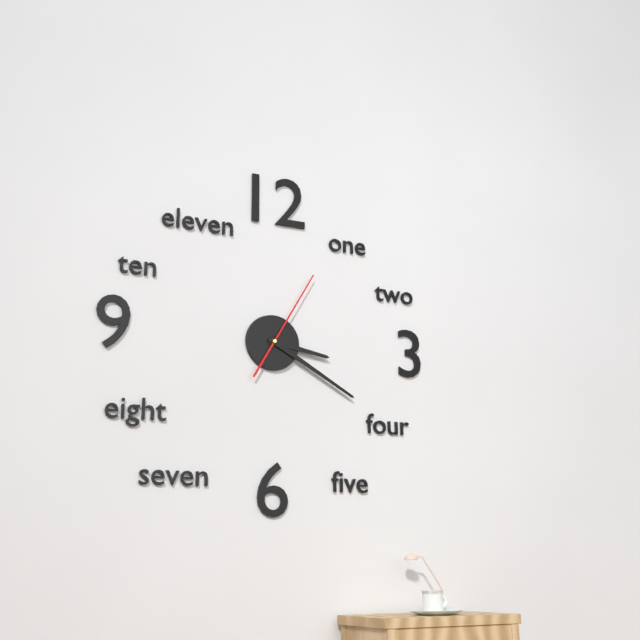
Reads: 3 h 20 min 05 s
